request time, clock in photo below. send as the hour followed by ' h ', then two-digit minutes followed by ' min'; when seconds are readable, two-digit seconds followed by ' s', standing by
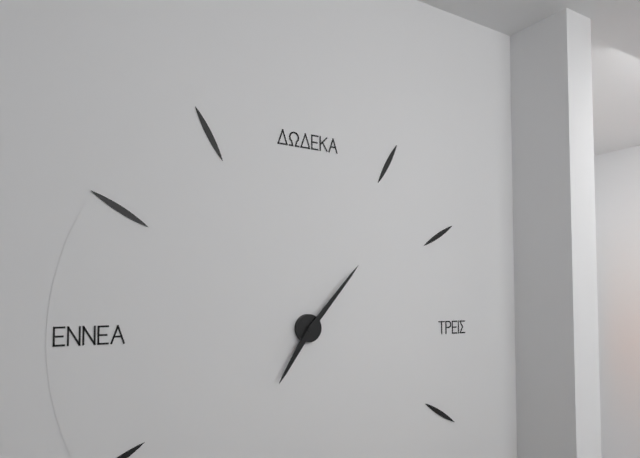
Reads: 7 h 07 min
